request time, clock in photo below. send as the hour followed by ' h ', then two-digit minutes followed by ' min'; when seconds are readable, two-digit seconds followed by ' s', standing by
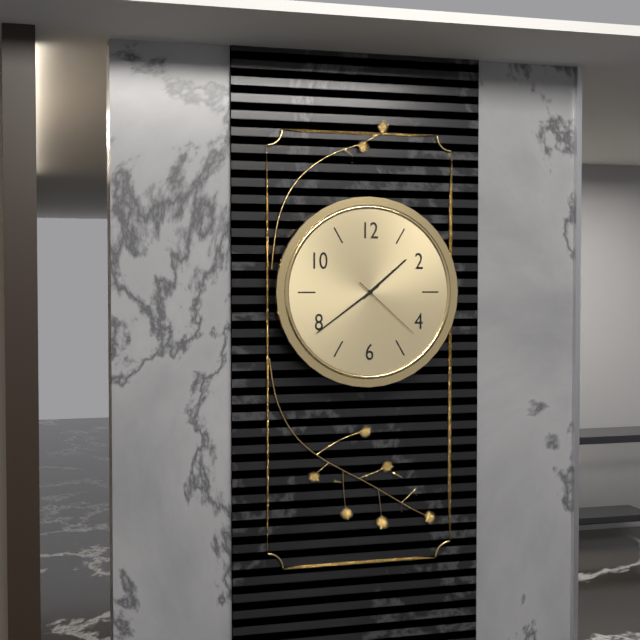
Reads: 1 h 39 min 22 s
